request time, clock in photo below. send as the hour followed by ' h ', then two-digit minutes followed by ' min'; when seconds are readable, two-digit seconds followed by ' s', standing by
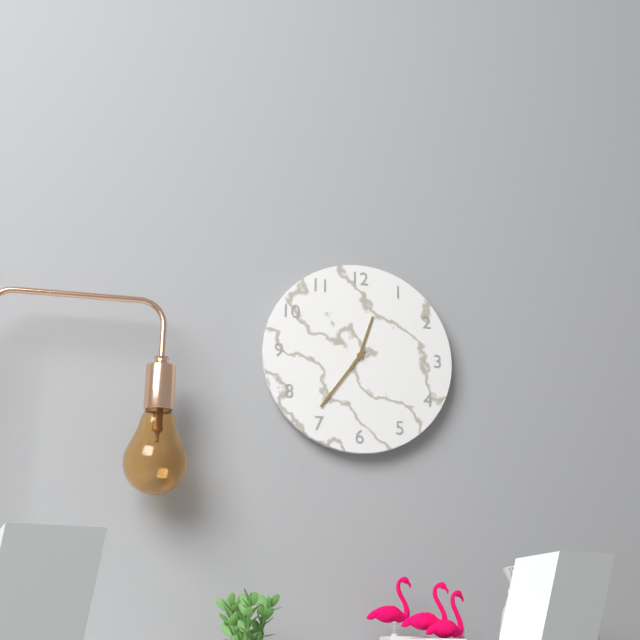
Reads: 12 h 36 min
